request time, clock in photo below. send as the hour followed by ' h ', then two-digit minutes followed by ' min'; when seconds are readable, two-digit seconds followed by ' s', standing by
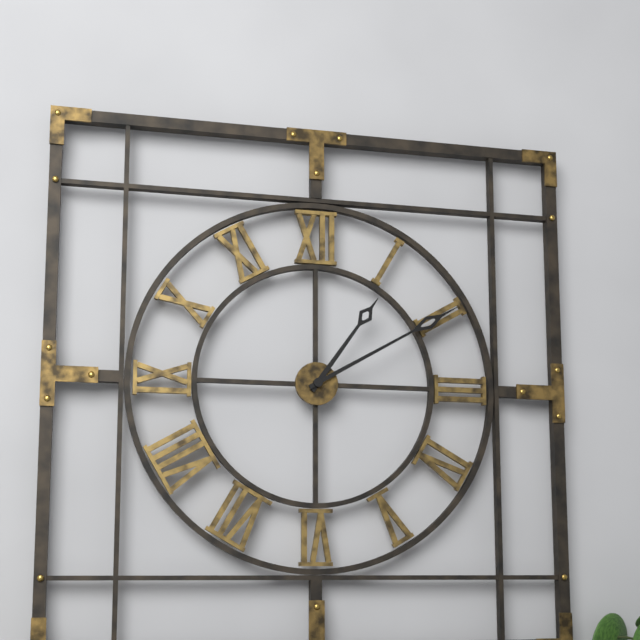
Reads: 1 h 10 min
